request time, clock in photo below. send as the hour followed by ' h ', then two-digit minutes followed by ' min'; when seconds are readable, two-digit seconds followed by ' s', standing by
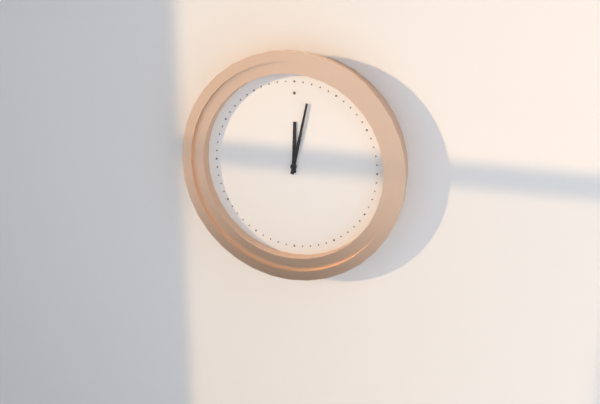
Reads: 12 h 02 min
